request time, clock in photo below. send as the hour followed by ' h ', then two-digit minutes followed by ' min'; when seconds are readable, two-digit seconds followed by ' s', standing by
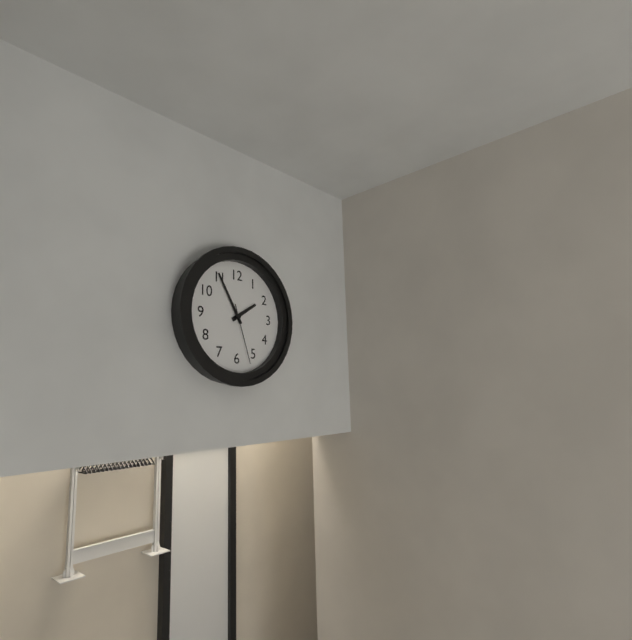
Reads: 1 h 55 min 27 s
